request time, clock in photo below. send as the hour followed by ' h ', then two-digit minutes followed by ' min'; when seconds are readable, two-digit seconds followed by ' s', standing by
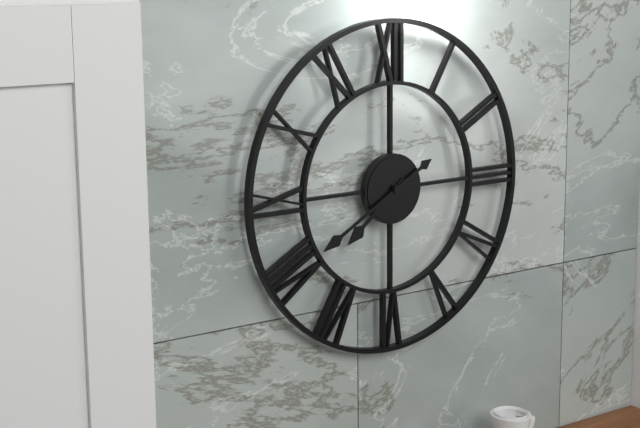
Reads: 7 h 40 min
